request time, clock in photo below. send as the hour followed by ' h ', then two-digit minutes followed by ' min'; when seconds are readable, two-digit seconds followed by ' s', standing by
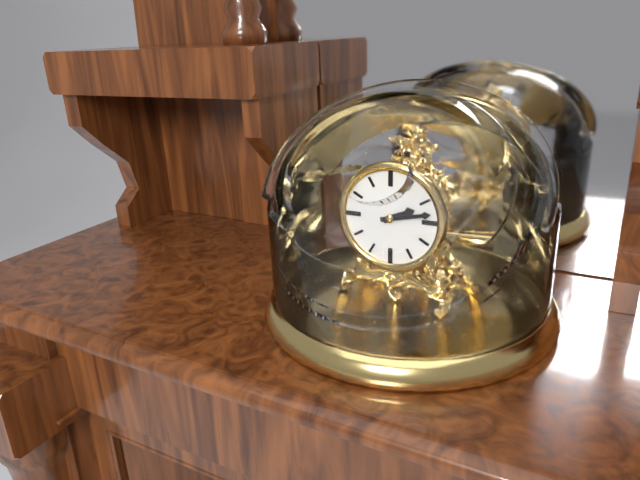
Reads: 2 h 13 min
